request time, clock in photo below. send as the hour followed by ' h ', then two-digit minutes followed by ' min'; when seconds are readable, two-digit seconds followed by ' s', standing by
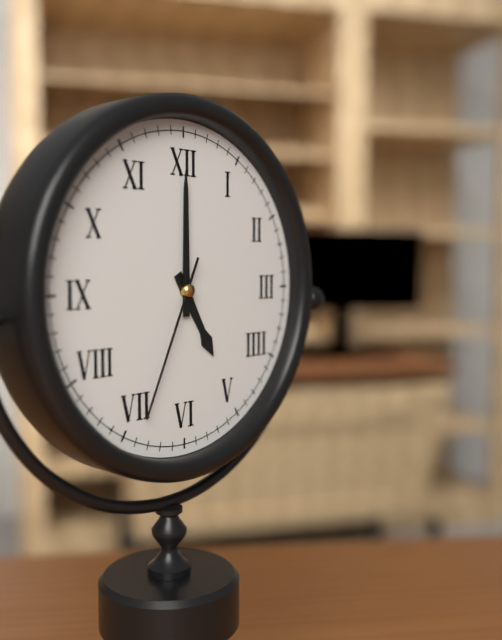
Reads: 5 h 00 min 34 s
